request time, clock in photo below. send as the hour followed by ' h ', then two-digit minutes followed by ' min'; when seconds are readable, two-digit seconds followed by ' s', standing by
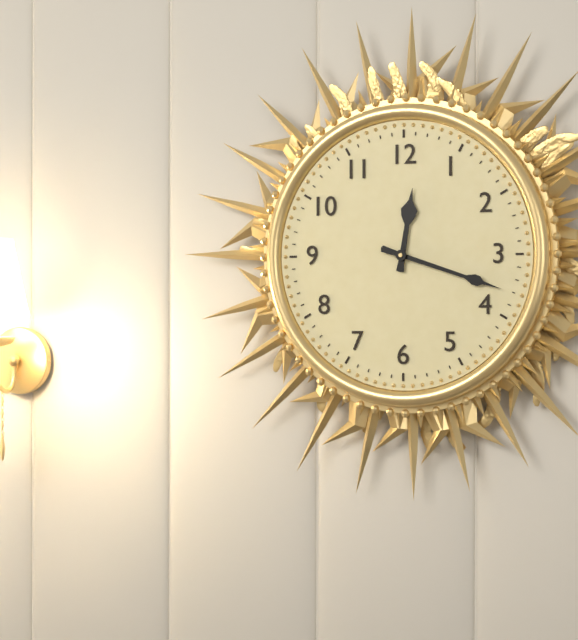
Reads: 12 h 18 min
